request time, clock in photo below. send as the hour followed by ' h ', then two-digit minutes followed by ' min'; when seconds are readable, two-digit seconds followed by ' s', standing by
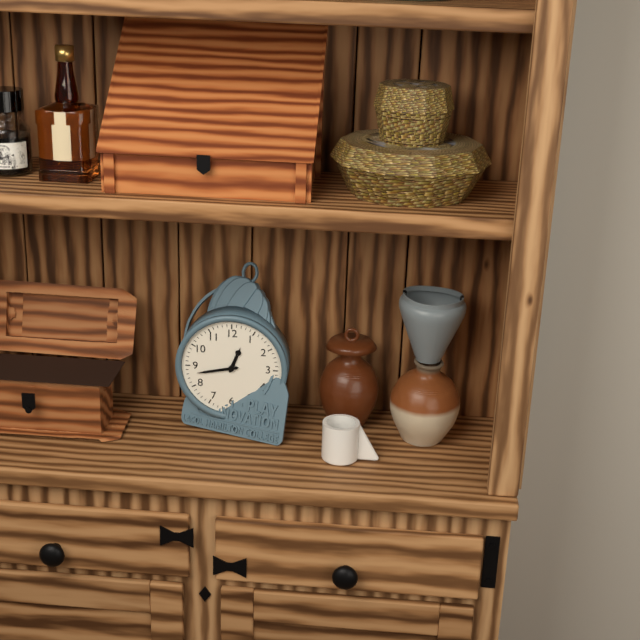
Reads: 12 h 43 min
